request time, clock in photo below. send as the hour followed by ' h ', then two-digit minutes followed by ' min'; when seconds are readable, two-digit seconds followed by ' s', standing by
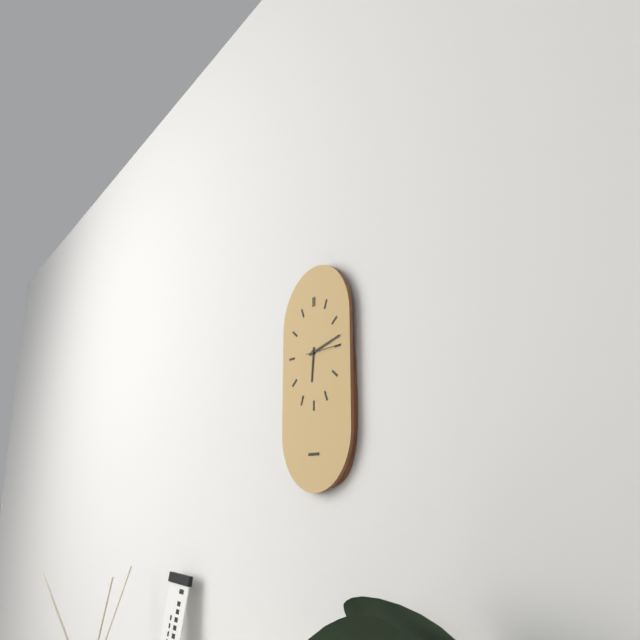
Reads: 6 h 13 min
